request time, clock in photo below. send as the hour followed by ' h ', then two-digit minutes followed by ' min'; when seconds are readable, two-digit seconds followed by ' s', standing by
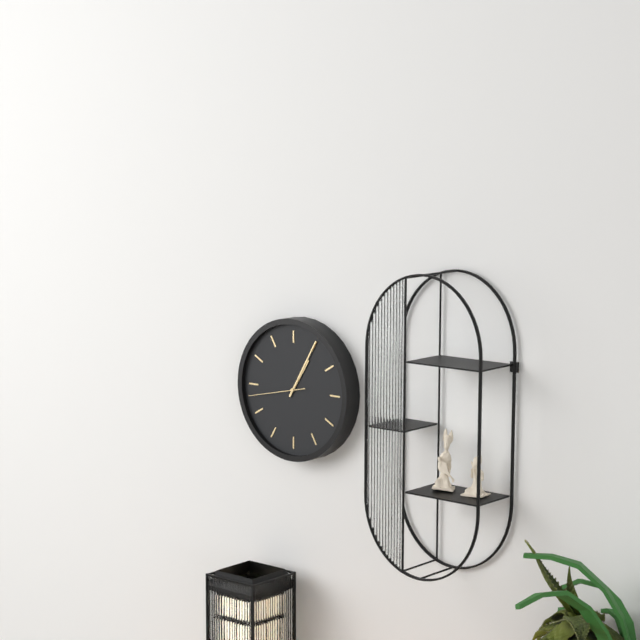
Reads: 1 h 05 min 43 s
